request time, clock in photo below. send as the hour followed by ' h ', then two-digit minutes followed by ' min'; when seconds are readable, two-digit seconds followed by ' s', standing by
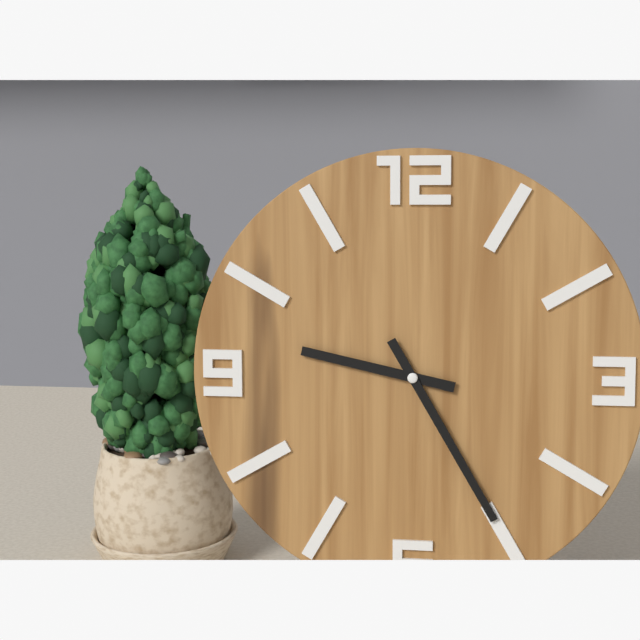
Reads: 9 h 25 min
